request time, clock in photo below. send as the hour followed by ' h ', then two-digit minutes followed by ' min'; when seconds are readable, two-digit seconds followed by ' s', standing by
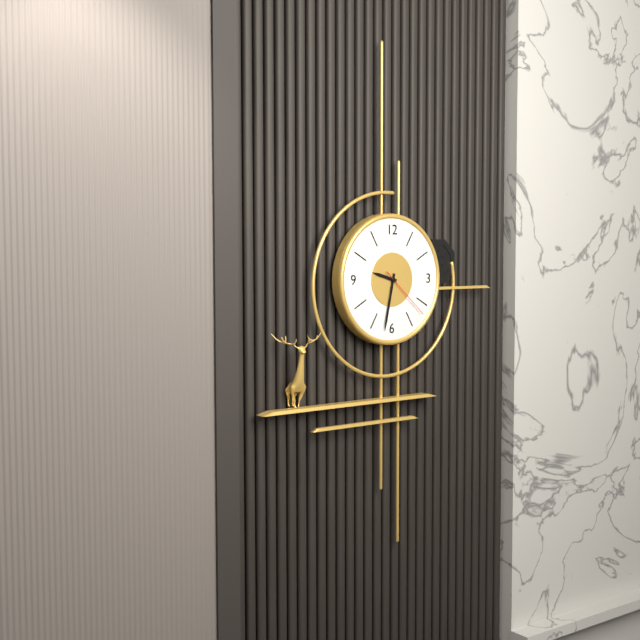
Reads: 9 h 32 min 22 s
